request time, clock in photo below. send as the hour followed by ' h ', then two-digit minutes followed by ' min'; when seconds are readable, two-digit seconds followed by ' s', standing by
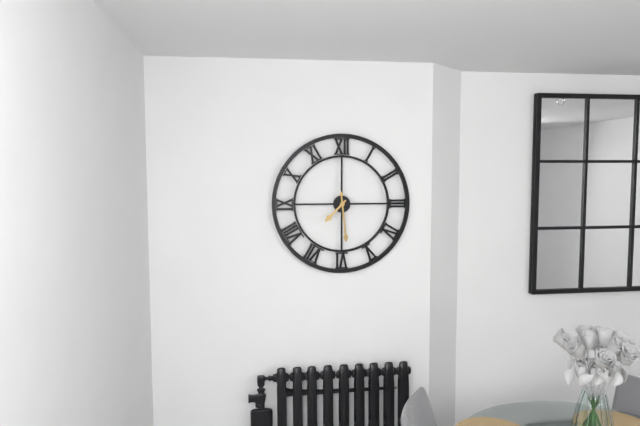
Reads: 7 h 29 min
